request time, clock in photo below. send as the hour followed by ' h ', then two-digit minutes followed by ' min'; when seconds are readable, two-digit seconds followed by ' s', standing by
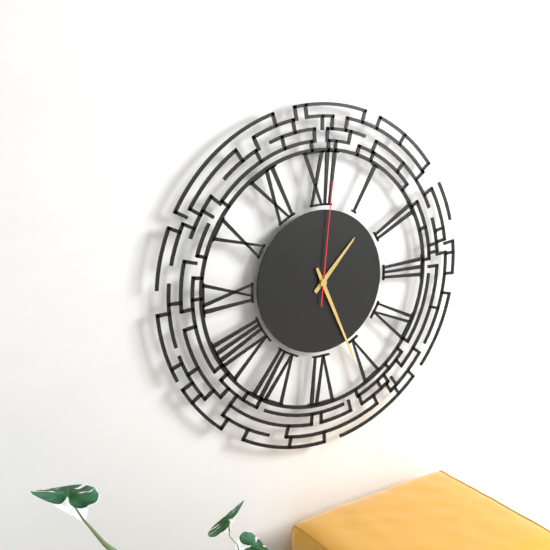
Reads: 1 h 26 min 01 s
